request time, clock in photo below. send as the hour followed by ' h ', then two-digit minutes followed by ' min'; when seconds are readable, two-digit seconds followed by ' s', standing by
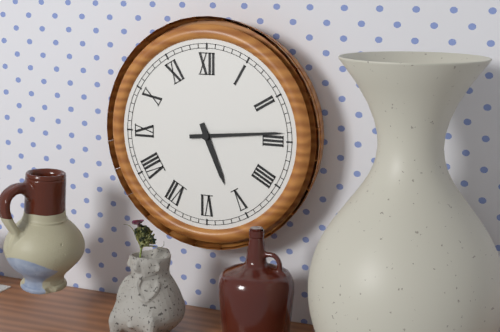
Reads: 5 h 14 min
